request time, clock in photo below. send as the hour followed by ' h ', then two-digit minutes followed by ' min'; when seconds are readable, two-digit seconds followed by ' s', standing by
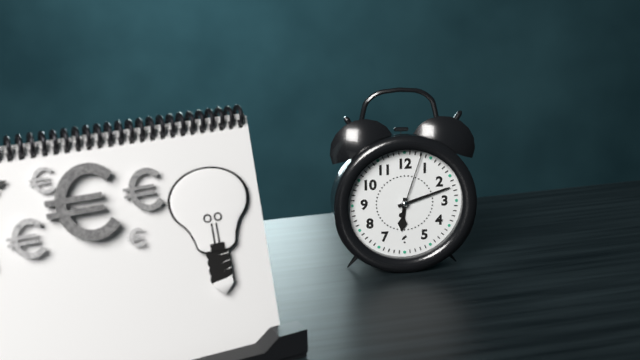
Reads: 6 h 12 min 03 s
